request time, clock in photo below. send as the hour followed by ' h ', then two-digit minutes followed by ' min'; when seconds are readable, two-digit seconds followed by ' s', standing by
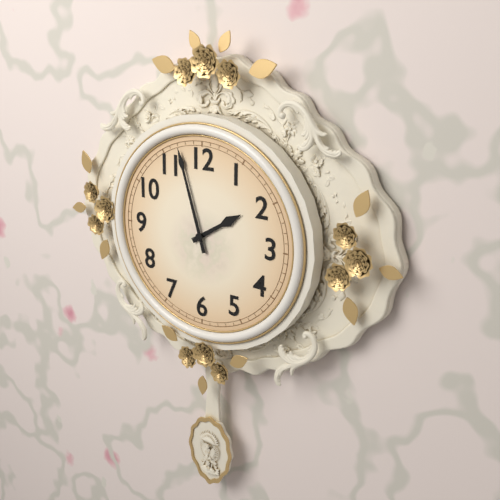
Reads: 1 h 57 min
